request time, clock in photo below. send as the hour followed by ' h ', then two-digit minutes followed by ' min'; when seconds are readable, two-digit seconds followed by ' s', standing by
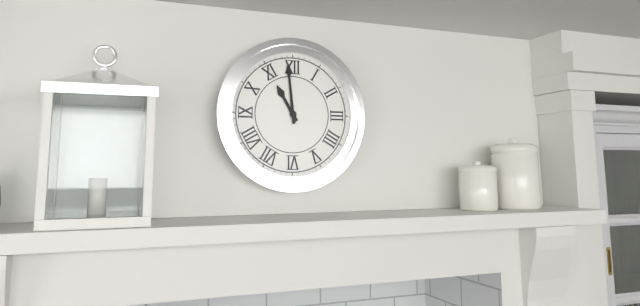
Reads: 10 h 59 min
